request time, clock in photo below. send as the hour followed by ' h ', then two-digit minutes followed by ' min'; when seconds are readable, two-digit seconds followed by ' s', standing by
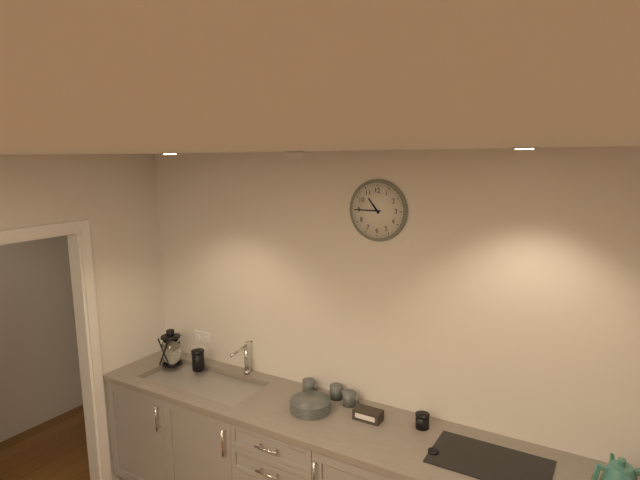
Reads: 10 h 45 min
